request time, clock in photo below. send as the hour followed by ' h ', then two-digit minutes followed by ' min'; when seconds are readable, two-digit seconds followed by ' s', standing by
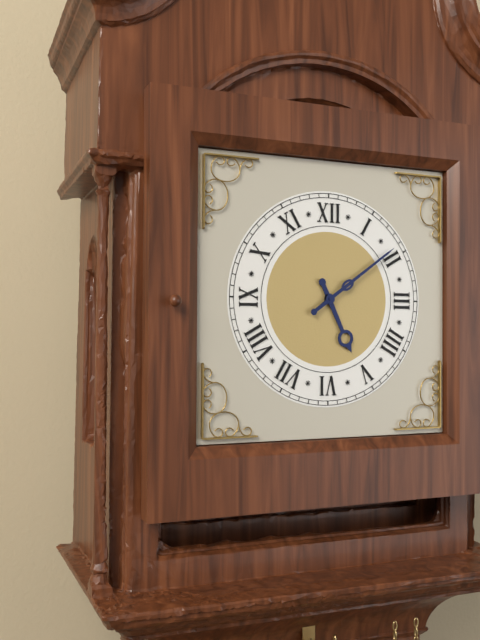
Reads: 5 h 09 min
